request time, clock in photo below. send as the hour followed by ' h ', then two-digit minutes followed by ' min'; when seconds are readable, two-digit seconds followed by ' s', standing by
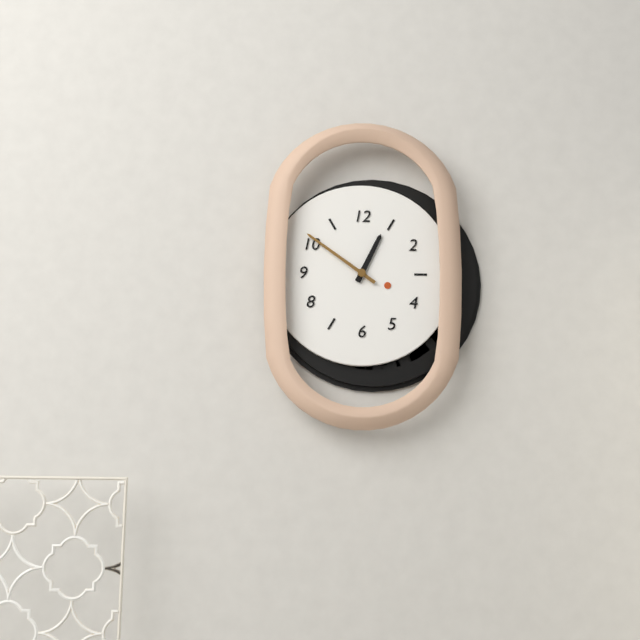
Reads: 12 h 51 min
